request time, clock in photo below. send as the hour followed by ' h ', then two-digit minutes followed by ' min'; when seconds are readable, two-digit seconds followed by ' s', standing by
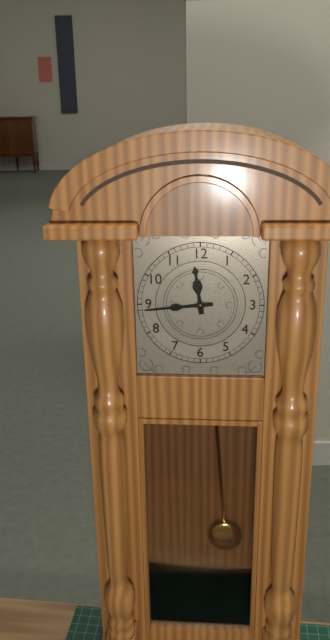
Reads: 11 h 44 min
